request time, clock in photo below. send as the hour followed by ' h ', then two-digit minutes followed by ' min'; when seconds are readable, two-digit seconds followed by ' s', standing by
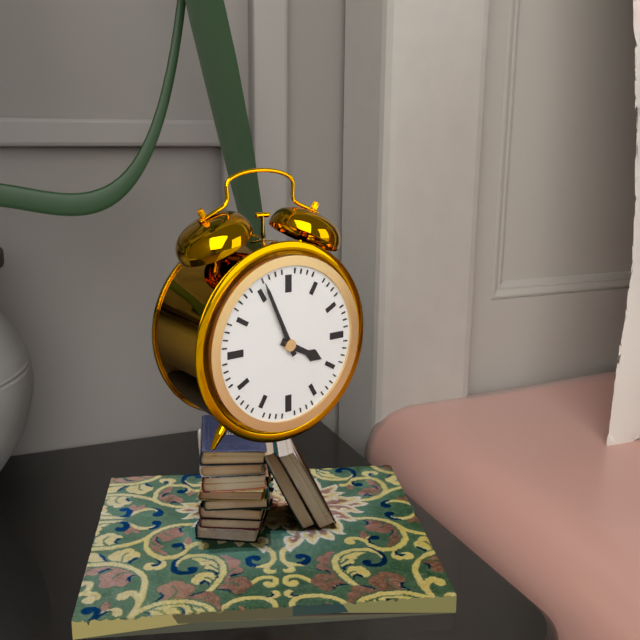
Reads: 3 h 56 min
